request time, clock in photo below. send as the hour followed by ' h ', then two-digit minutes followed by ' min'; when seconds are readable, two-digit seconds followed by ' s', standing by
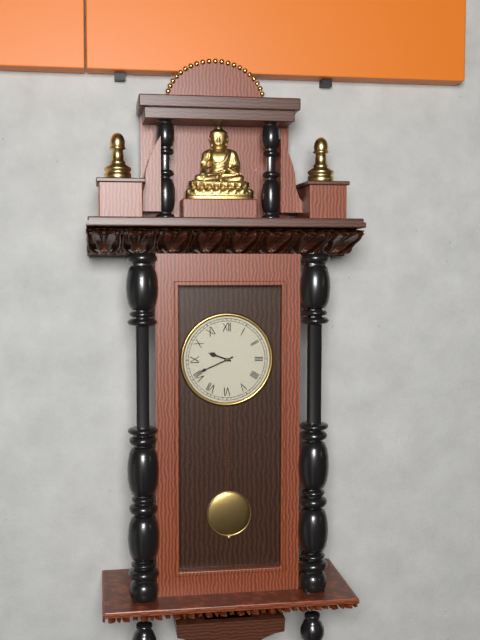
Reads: 9 h 41 min
